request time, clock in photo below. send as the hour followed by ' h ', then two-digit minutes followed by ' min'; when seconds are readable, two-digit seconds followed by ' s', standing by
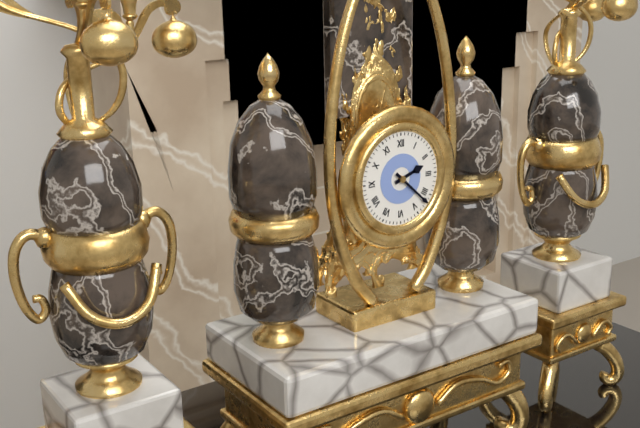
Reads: 2 h 22 min
